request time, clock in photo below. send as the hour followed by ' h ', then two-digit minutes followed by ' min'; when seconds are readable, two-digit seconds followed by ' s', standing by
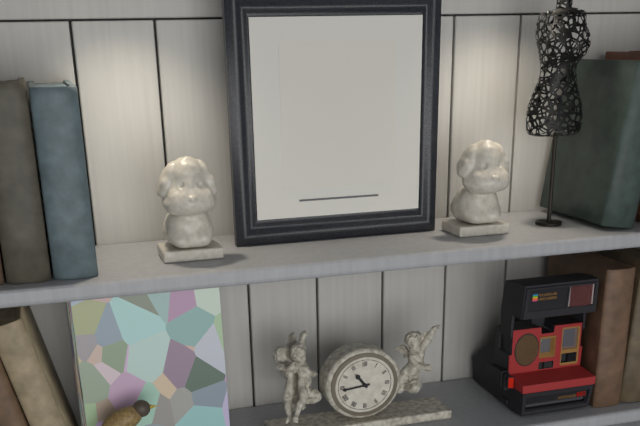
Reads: 10 h 44 min
